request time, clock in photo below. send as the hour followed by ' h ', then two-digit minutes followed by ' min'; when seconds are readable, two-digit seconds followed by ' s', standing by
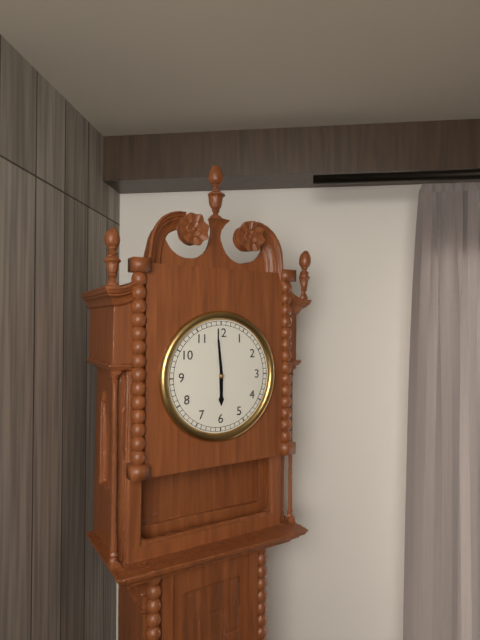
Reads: 5 h 59 min
